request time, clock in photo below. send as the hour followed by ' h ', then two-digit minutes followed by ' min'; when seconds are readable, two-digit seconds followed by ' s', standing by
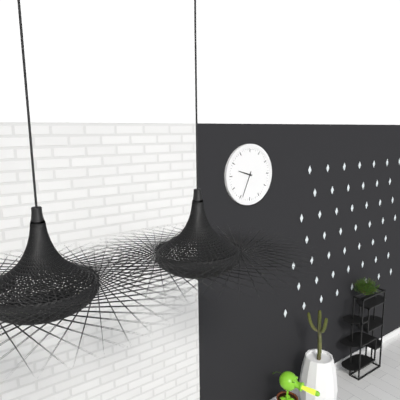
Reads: 9 h 34 min
